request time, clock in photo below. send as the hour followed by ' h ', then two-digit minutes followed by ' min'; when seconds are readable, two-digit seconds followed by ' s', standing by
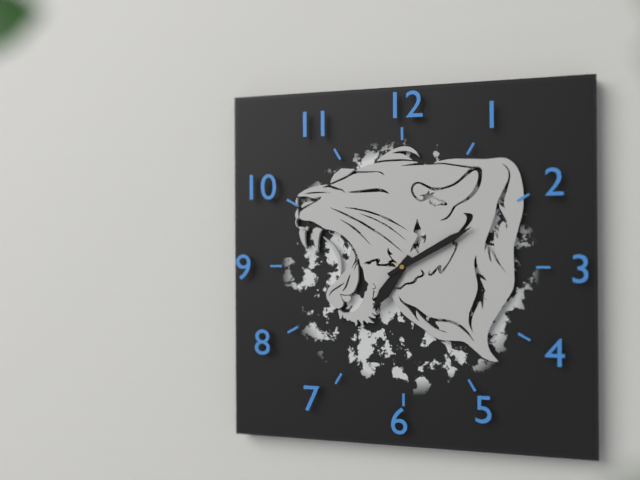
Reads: 7 h 10 min
